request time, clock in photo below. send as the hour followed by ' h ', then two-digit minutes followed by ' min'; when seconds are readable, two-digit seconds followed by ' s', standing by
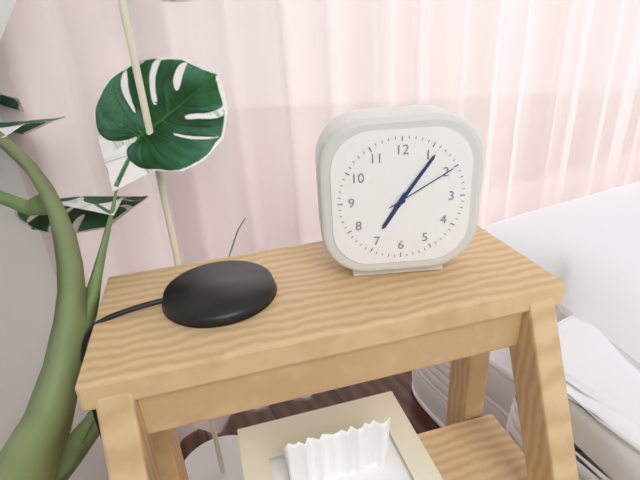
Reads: 7 h 06 min 10 s
